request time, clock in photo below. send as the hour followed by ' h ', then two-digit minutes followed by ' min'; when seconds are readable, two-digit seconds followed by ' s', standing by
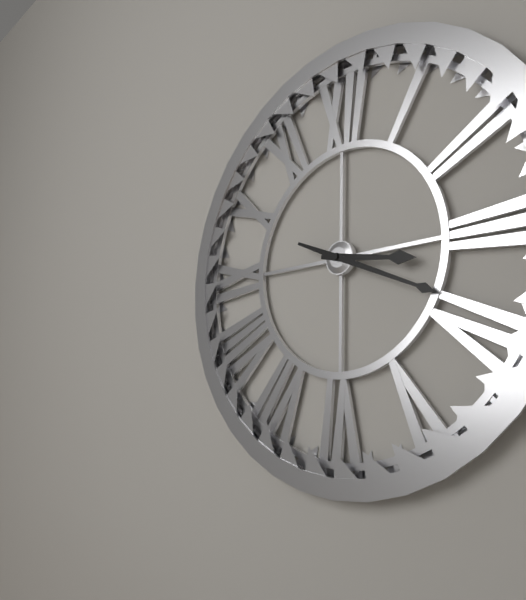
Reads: 3 h 19 min
